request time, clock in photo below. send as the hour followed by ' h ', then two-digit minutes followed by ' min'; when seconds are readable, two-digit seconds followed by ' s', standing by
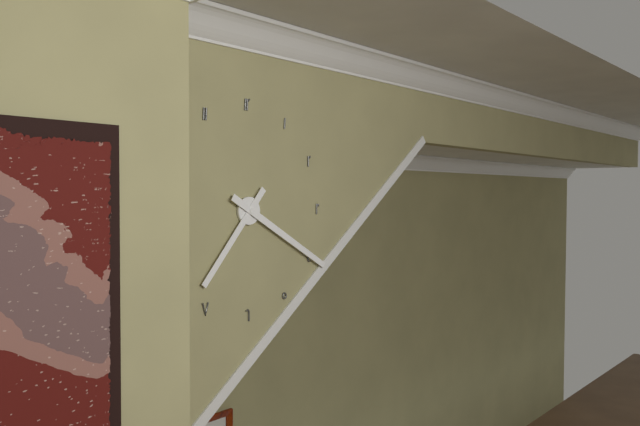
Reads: 7 h 20 min
